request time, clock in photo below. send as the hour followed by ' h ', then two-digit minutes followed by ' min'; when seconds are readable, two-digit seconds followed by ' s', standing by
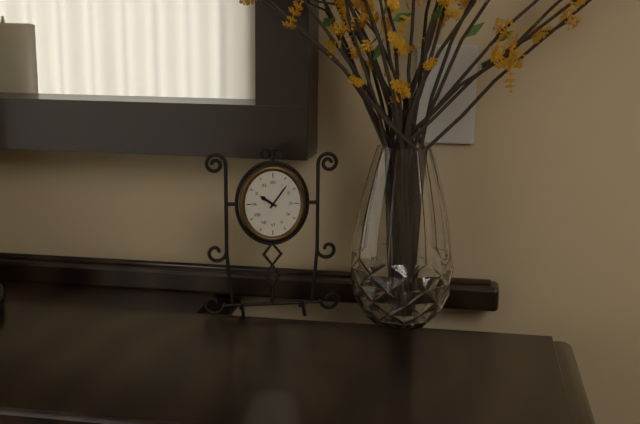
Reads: 10 h 06 min
